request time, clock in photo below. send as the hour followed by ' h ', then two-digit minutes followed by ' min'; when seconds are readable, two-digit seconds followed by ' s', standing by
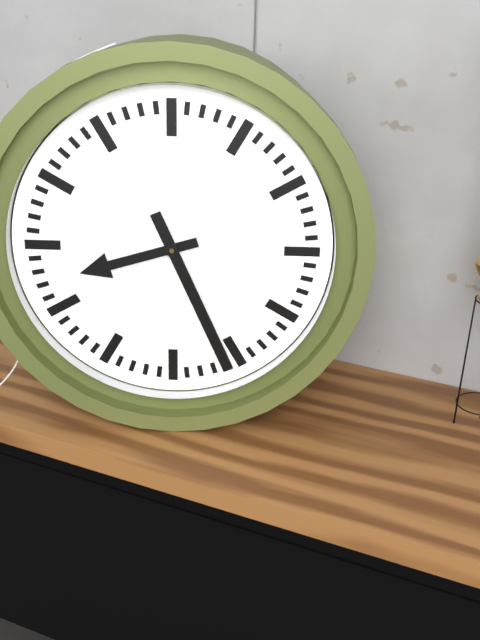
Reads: 8 h 26 min
